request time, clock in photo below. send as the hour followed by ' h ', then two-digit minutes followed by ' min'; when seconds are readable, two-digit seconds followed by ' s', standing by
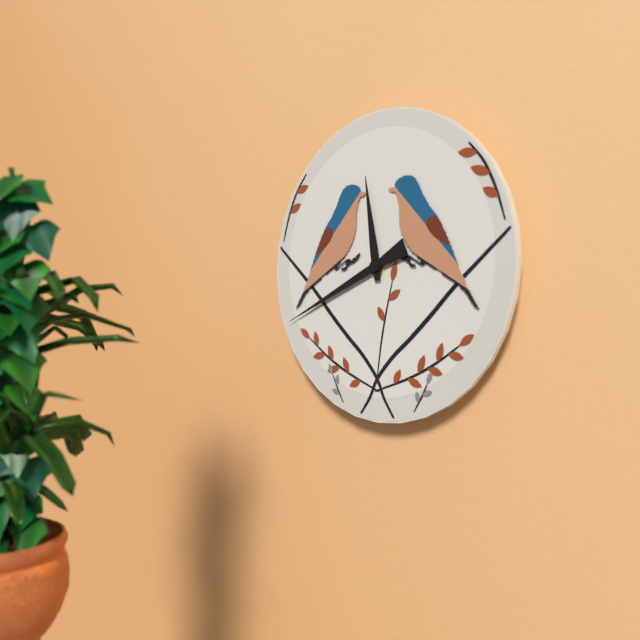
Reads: 11 h 41 min
